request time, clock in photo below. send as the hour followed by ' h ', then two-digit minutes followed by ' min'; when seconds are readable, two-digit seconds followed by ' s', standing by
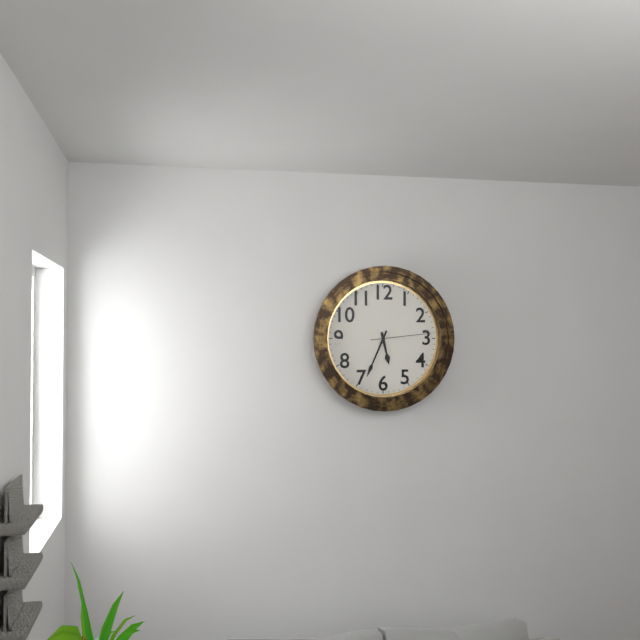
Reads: 5 h 34 min 14 s
